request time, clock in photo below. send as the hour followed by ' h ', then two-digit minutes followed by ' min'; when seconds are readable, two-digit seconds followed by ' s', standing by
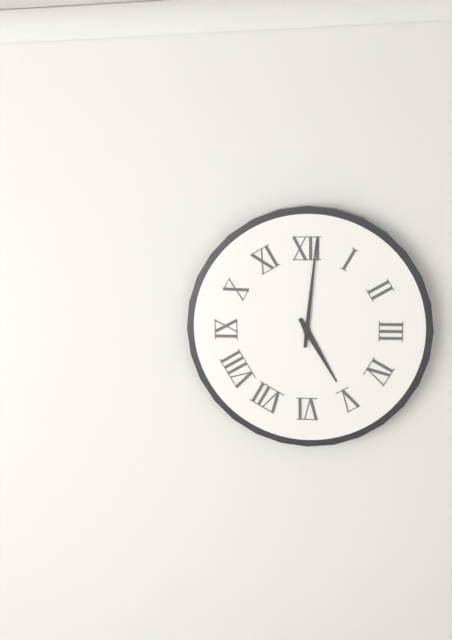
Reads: 5 h 01 min
